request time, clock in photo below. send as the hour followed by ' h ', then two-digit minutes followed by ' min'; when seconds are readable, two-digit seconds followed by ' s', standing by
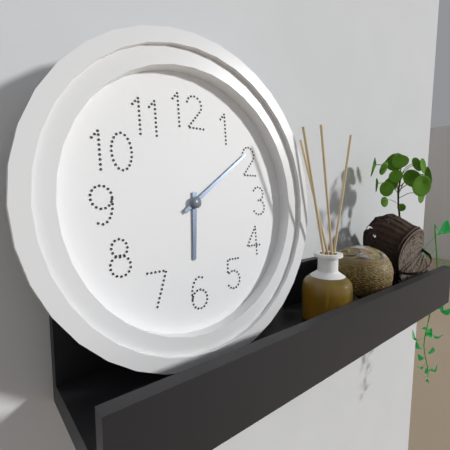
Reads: 6 h 09 min
